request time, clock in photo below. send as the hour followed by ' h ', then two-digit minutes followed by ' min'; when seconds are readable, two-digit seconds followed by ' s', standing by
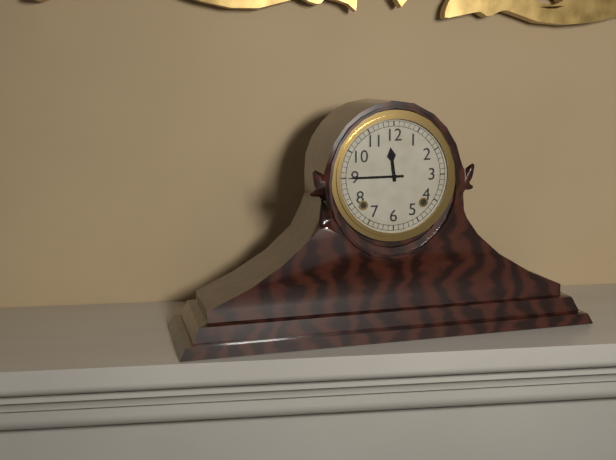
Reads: 11 h 45 min
